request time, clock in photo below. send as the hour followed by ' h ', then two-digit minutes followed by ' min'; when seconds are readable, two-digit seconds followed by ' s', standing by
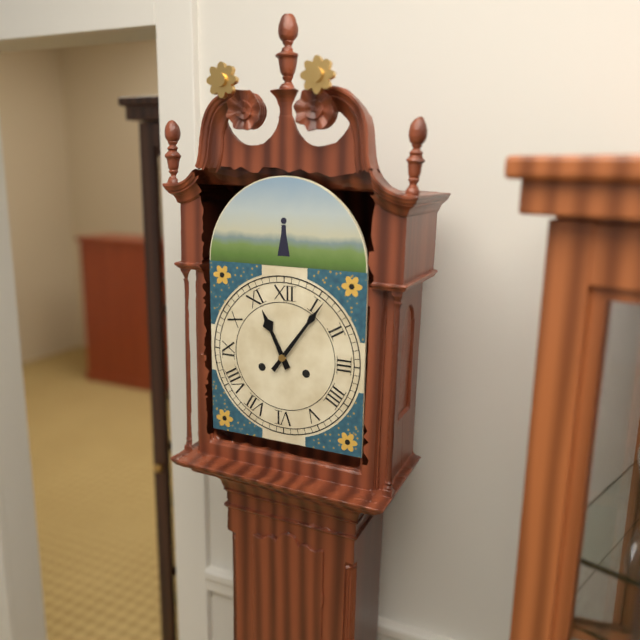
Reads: 11 h 06 min
